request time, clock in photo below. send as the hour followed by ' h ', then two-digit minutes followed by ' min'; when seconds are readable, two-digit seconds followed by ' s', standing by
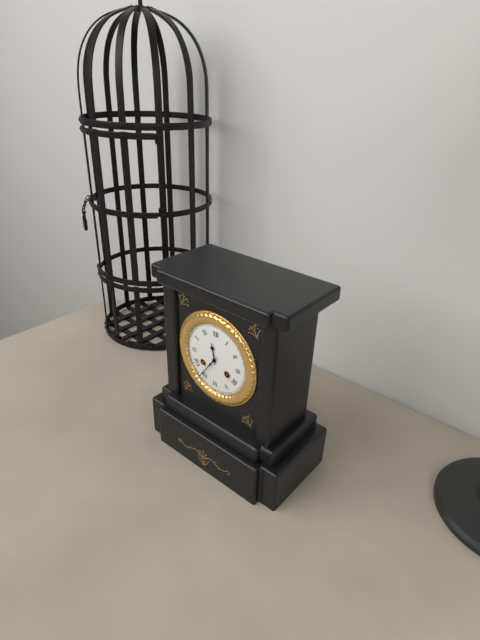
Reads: 11 h 36 min
